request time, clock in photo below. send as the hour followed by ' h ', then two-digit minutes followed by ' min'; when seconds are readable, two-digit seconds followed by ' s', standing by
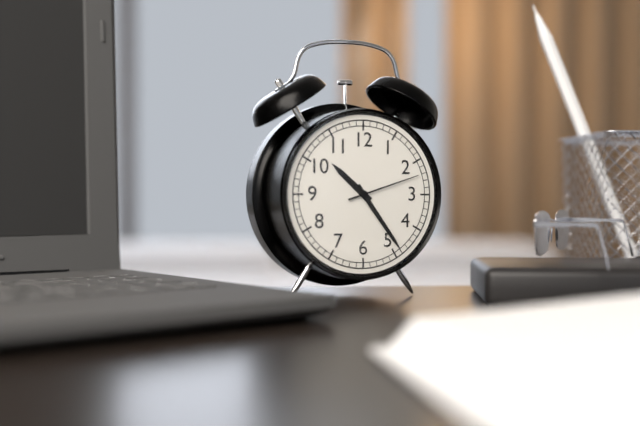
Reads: 10 h 24 min 12 s
